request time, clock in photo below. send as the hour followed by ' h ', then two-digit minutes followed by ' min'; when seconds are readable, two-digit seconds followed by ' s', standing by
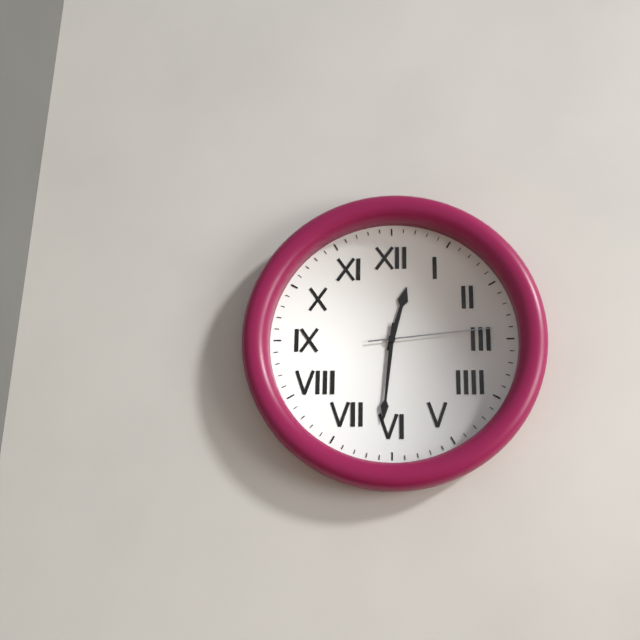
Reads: 12 h 31 min 14 s
